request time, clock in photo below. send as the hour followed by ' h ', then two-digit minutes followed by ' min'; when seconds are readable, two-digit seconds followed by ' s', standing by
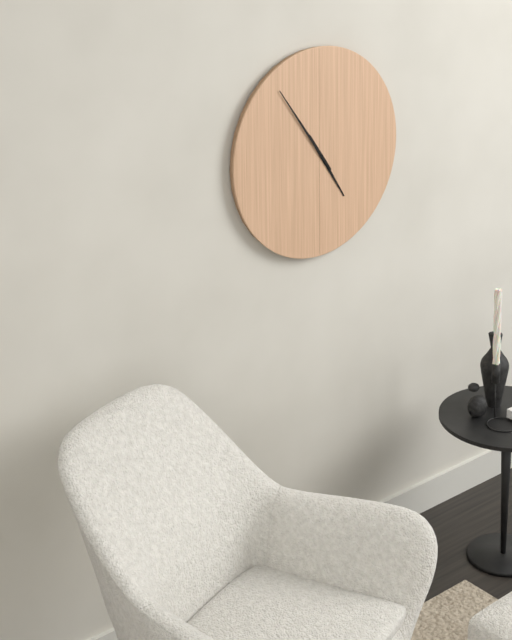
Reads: 4 h 54 min
